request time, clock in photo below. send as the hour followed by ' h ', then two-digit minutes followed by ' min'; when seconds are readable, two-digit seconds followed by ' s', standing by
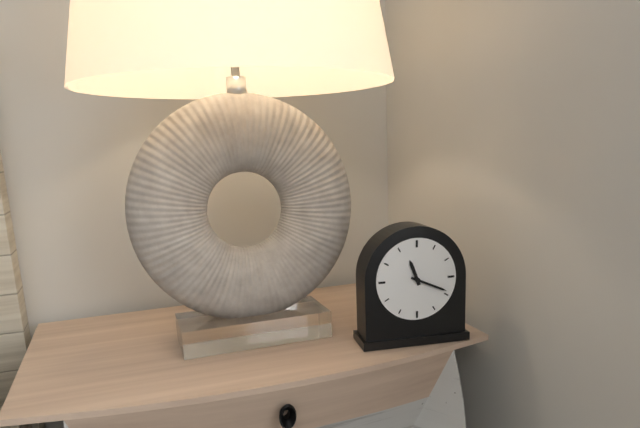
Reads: 11 h 19 min
